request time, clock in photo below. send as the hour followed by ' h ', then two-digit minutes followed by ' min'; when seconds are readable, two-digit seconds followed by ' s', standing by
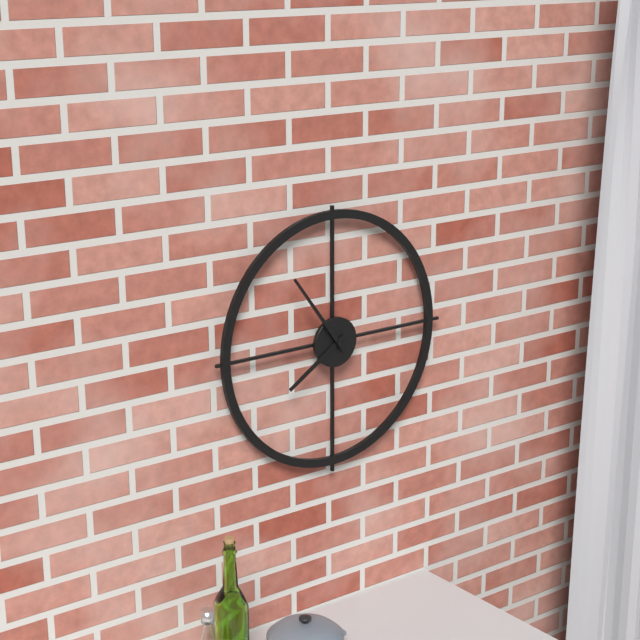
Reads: 7 h 54 min
